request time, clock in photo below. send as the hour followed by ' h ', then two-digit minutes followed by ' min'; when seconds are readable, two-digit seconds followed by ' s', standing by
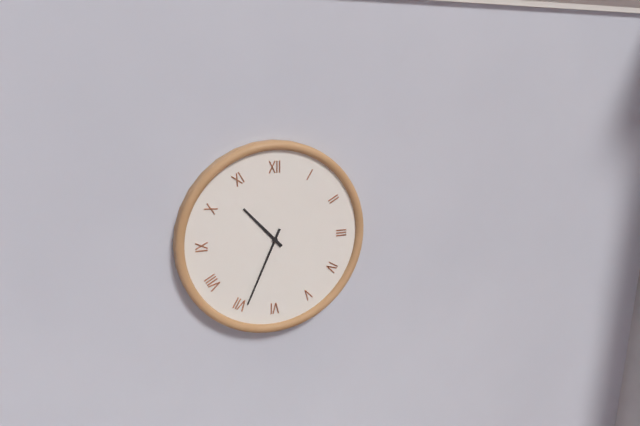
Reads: 10 h 34 min
